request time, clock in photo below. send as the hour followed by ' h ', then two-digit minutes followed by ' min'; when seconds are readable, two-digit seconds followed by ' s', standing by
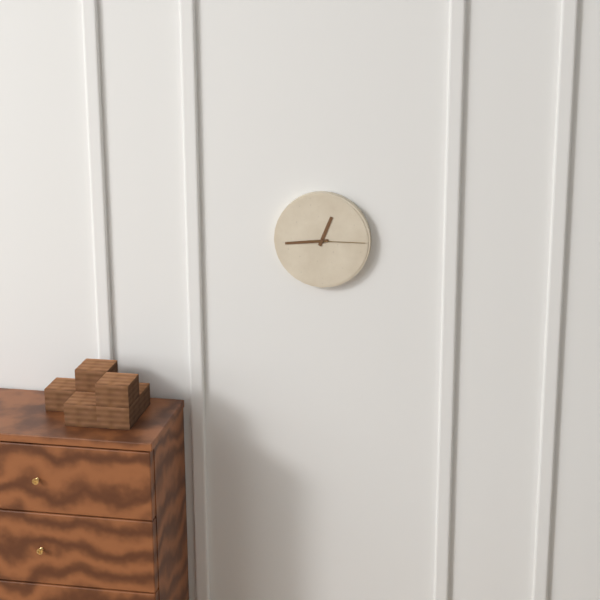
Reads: 12 h 44 min 15 s
